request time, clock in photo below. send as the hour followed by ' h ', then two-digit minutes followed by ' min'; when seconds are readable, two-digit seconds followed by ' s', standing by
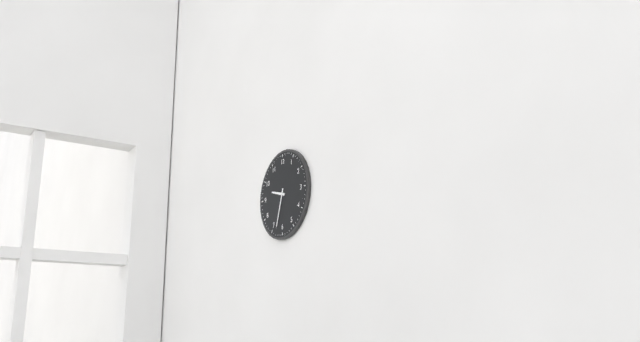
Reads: 9 h 33 min
